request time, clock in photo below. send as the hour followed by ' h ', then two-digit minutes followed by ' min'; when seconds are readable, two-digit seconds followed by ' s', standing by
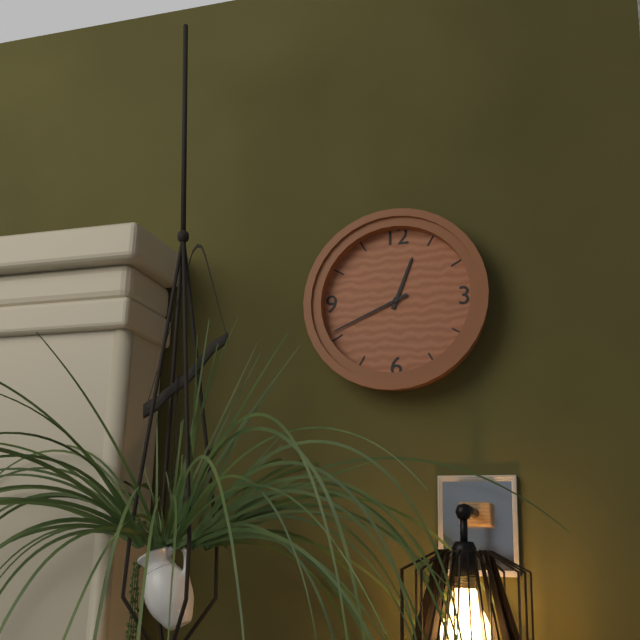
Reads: 12 h 41 min
